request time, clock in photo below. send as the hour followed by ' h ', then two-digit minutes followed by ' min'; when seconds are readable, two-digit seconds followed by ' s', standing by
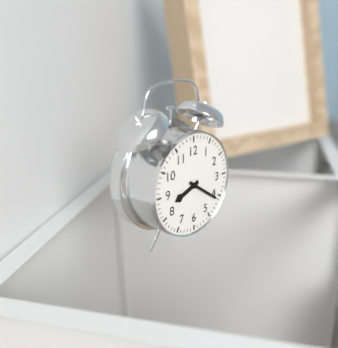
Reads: 8 h 21 min
